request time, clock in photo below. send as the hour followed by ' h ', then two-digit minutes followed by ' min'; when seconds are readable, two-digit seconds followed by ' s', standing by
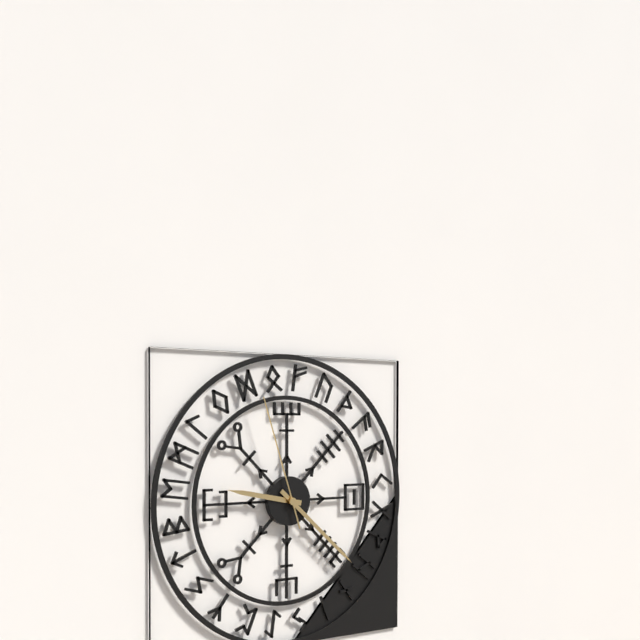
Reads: 9 h 22 min 57 s
